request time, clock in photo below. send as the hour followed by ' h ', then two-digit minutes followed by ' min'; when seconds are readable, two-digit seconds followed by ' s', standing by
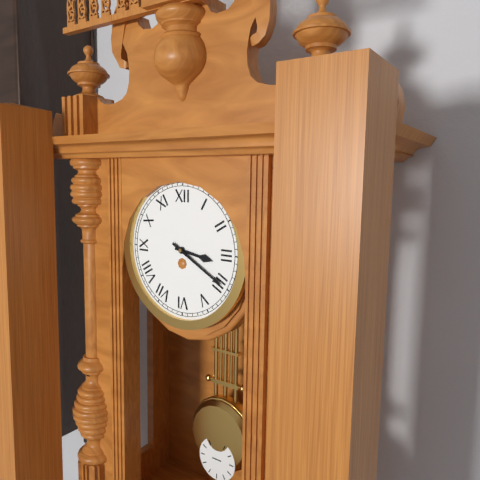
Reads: 3 h 20 min
